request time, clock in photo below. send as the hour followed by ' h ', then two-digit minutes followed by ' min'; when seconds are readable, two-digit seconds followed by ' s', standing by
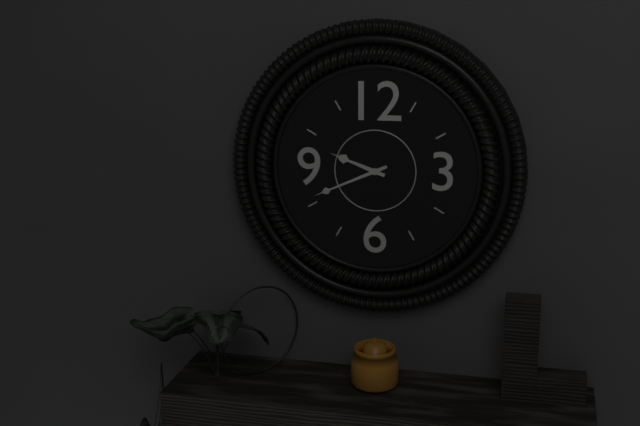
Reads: 9 h 41 min
